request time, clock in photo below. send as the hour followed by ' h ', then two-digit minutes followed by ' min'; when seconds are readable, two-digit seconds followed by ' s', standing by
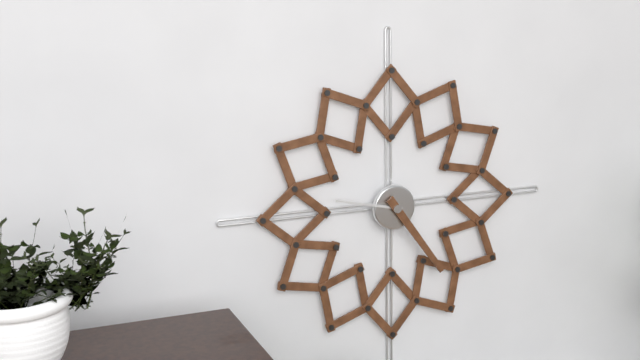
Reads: 9 h 24 min
